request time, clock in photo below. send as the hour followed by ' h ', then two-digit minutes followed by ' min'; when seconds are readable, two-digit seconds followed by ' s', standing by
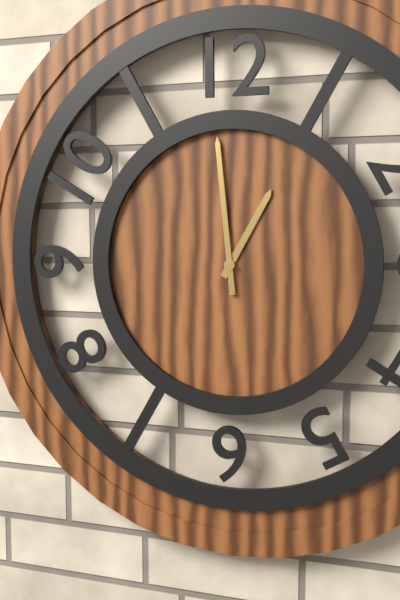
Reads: 12 h 59 min
